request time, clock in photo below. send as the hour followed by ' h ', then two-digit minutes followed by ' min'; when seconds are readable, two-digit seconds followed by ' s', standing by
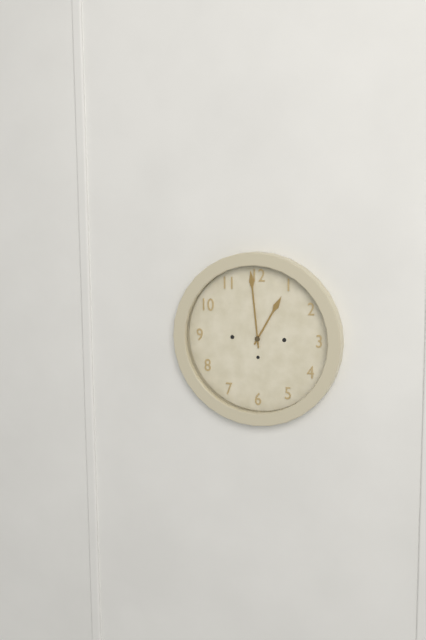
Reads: 12 h 59 min
